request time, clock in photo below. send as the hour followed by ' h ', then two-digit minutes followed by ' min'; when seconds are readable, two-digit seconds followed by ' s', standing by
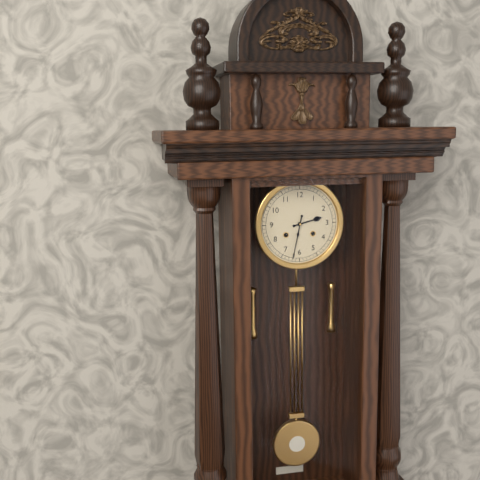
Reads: 2 h 32 min
